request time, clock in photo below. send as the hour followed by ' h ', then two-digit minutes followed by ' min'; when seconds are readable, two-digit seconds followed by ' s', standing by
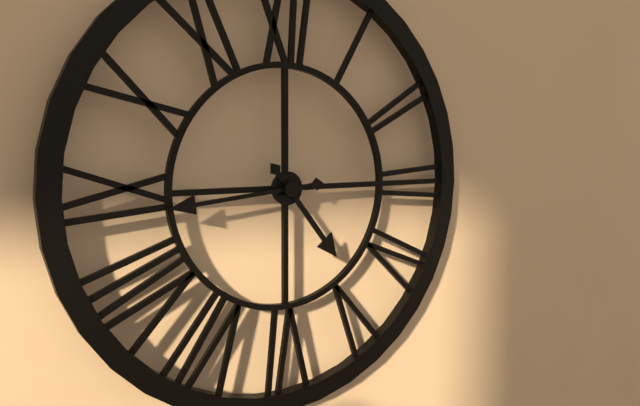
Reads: 4 h 44 min
